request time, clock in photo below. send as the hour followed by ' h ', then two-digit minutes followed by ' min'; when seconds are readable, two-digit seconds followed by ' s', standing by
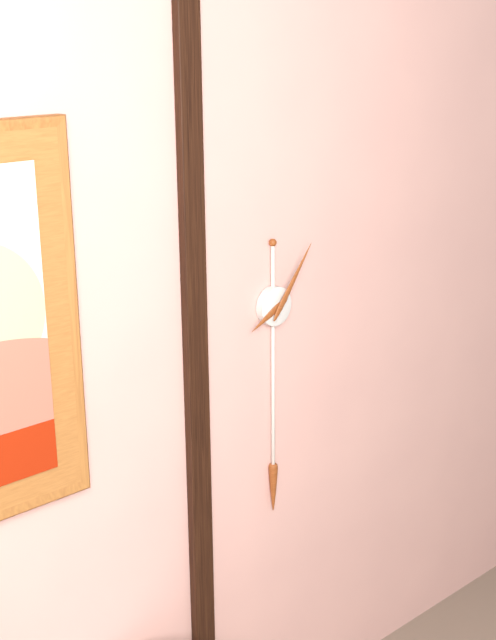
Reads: 8 h 06 min
